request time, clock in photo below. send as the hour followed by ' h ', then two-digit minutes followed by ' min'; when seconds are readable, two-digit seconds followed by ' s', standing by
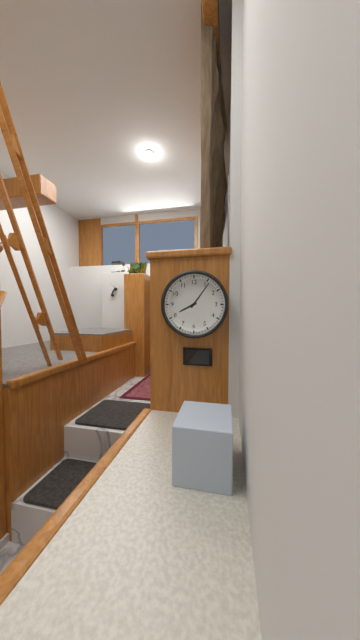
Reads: 8 h 06 min
